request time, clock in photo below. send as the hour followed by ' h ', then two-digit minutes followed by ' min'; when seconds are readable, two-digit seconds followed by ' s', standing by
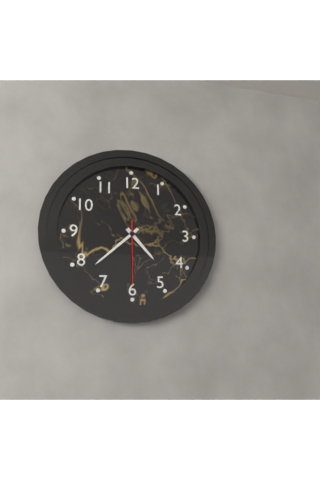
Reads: 4 h 38 min 30 s
